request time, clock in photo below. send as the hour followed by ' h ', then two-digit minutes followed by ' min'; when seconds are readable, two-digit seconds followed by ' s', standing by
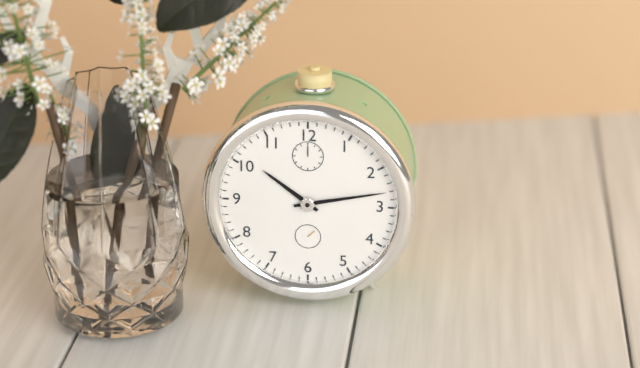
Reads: 10 h 13 min
